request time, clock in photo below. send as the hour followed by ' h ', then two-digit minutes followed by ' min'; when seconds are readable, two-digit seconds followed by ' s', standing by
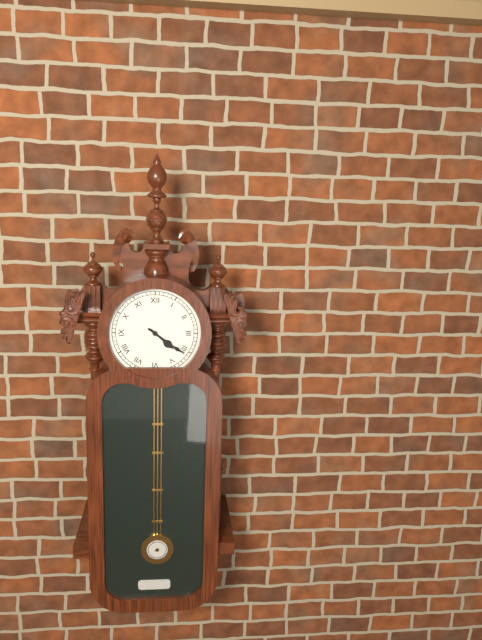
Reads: 4 h 21 min
